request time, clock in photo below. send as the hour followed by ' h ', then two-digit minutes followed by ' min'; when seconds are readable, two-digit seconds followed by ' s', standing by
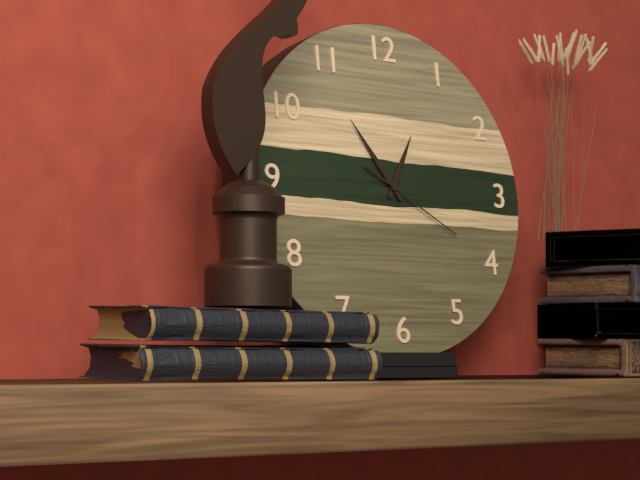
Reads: 12 h 54 min 20 s
